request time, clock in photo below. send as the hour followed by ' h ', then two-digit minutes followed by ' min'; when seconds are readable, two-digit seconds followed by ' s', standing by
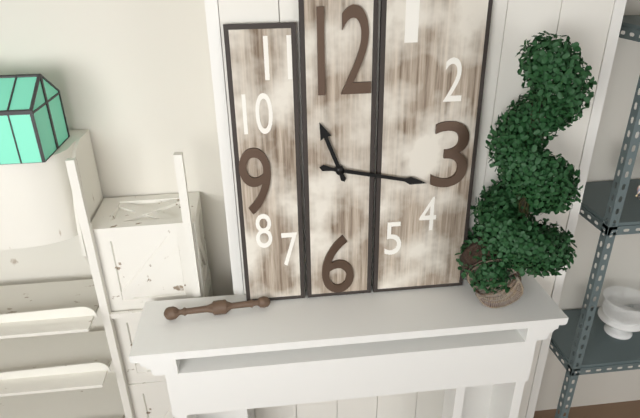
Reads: 11 h 17 min
